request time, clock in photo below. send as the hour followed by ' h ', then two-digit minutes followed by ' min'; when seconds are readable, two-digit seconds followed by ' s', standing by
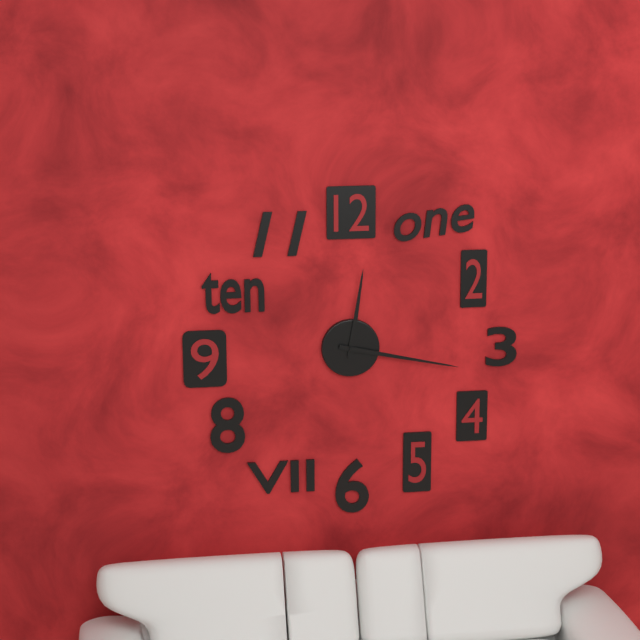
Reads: 12 h 17 min
